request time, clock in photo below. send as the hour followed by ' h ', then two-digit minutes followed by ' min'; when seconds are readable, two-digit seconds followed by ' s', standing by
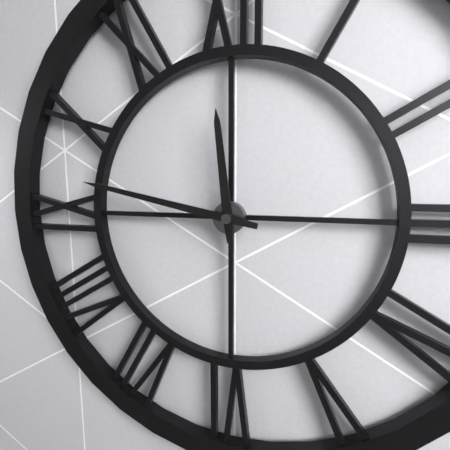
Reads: 11 h 47 min
